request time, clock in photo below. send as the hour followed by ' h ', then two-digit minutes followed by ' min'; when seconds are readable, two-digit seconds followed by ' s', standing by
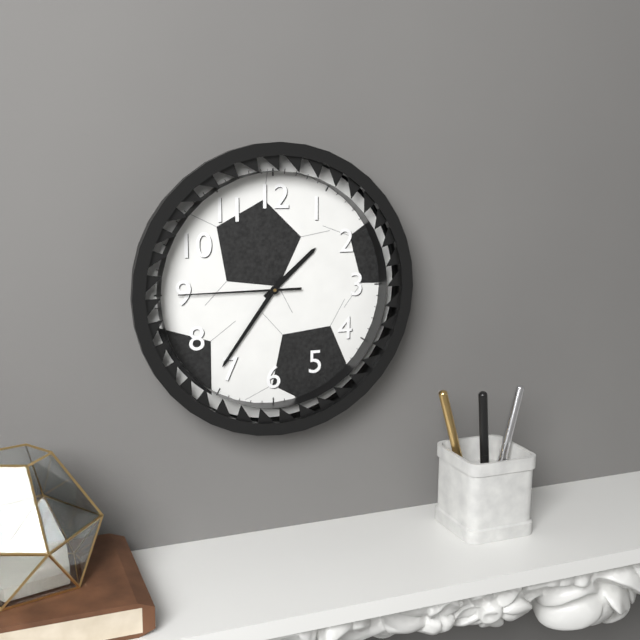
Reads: 1 h 36 min 45 s
